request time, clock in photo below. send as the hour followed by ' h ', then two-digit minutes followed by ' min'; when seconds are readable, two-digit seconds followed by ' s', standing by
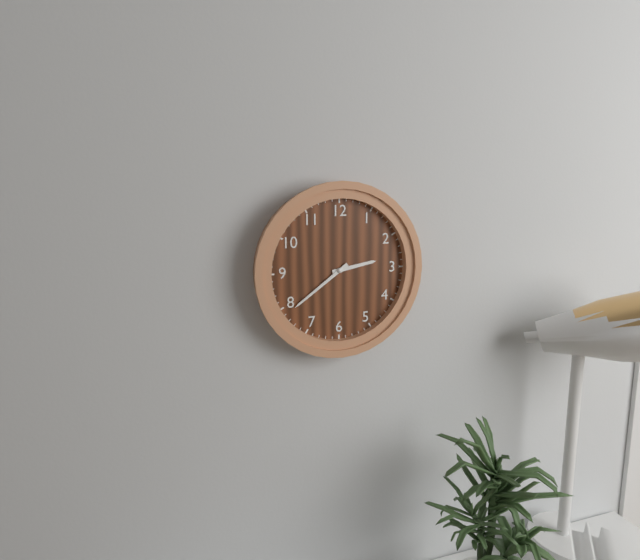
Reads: 2 h 39 min
